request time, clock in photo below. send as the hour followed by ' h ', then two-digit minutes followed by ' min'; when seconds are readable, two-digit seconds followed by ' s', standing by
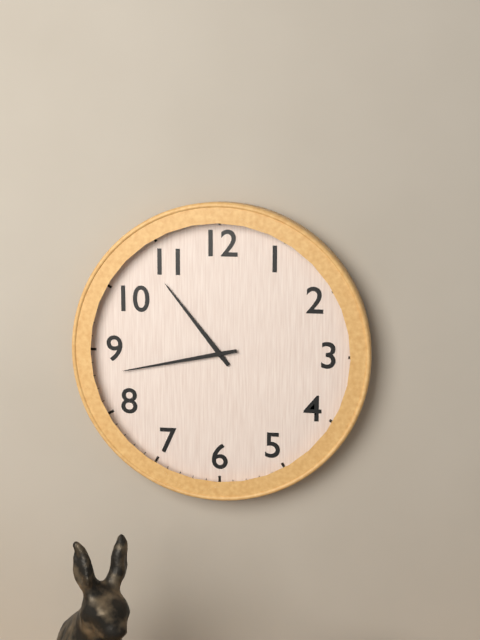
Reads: 10 h 43 min
